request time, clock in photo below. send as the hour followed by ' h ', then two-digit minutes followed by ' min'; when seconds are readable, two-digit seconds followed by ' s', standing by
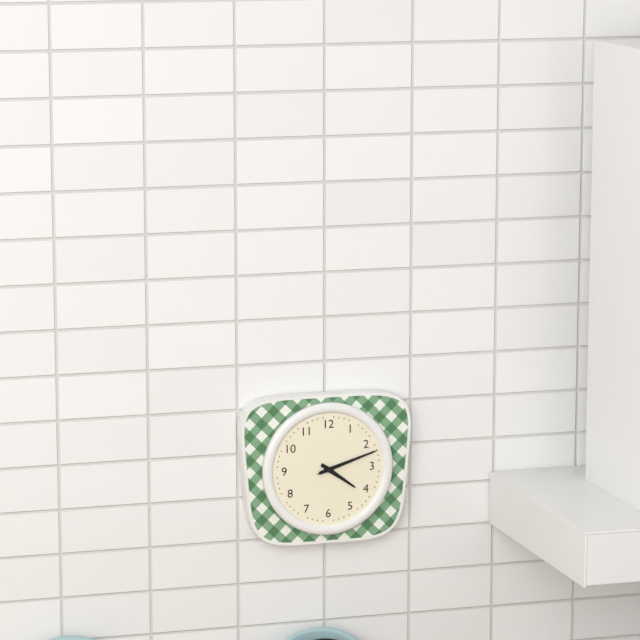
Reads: 4 h 12 min 12 s
